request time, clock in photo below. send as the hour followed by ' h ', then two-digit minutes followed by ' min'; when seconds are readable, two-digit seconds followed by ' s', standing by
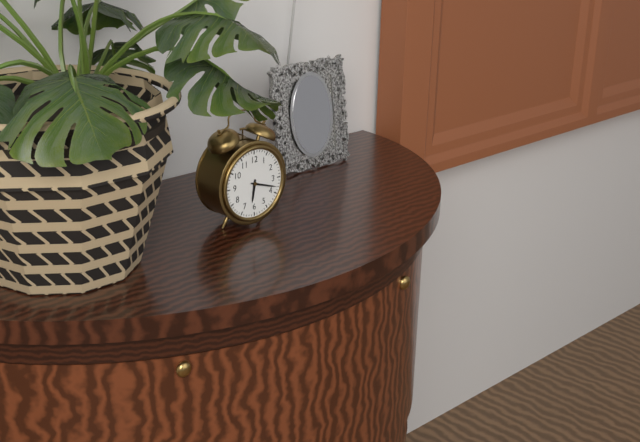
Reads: 6 h 18 min
